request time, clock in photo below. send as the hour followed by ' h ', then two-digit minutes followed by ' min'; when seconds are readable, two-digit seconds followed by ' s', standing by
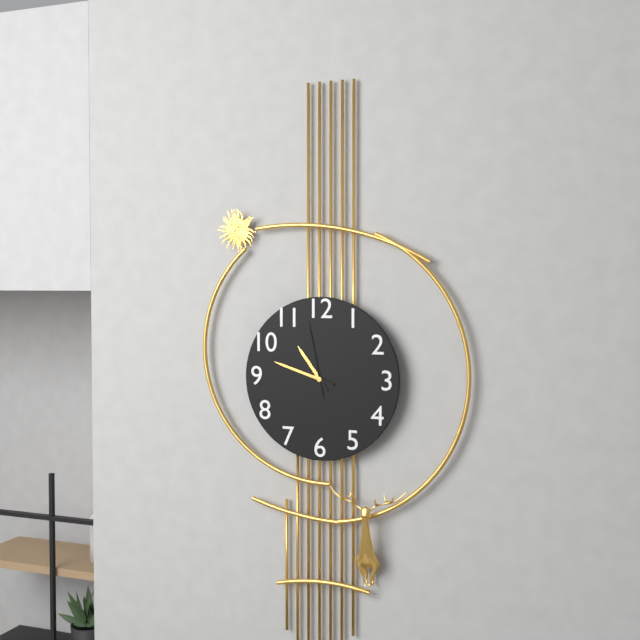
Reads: 10 h 48 min 58 s
